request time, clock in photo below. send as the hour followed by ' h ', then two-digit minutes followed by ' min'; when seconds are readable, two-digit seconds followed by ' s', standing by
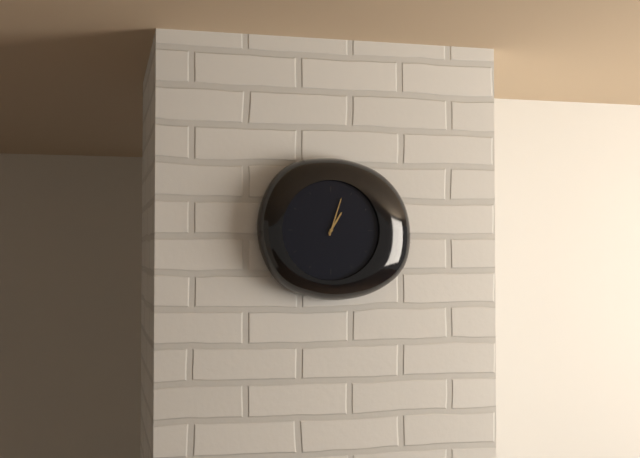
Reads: 1 h 03 min
